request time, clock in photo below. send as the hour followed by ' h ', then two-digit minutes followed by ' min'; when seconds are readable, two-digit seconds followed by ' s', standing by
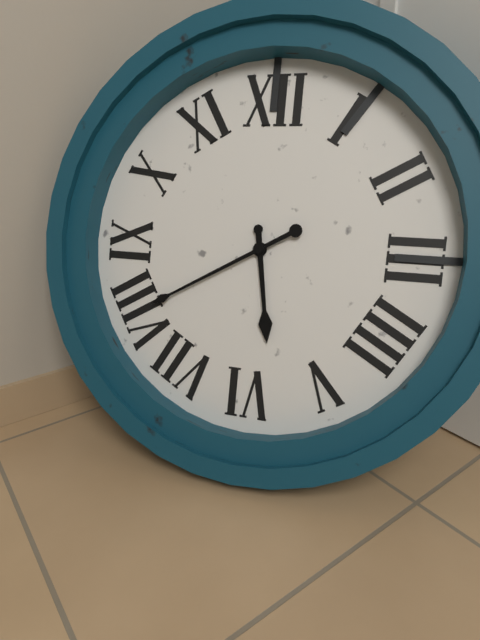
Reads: 5 h 40 min
